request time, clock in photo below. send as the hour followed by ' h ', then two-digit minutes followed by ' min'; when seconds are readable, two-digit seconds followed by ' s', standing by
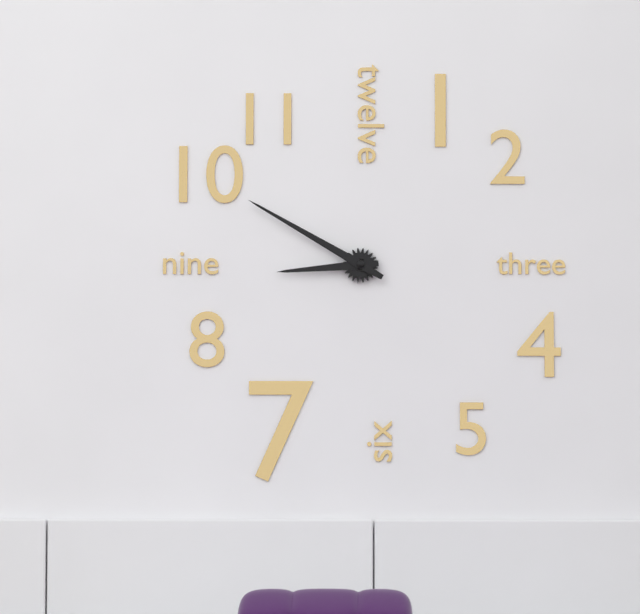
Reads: 8 h 50 min
